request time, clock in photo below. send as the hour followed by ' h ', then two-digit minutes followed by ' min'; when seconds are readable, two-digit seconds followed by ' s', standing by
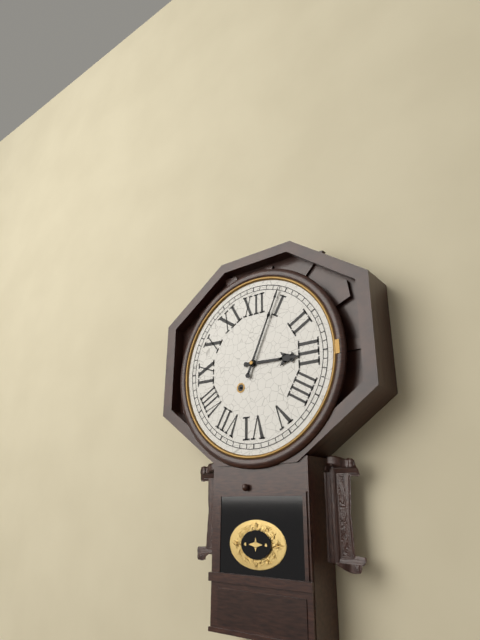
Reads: 3 h 04 min
